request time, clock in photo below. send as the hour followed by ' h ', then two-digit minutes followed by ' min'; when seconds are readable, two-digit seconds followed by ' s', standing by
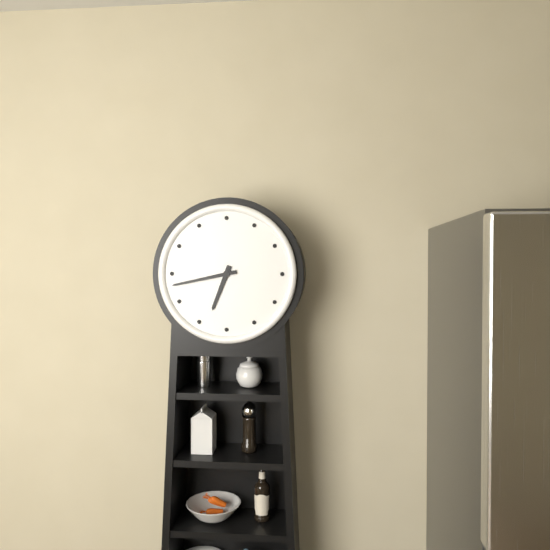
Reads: 6 h 43 min
